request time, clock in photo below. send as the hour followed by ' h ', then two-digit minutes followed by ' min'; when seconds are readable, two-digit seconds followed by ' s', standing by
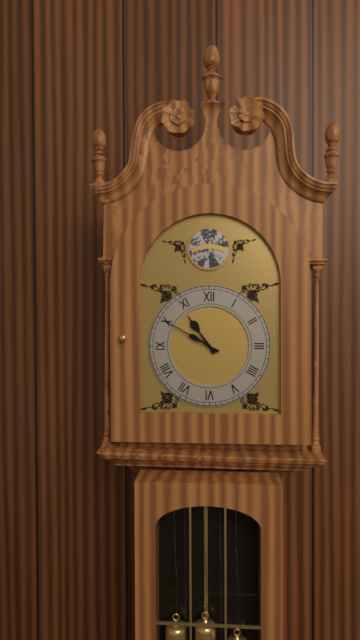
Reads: 10 h 50 min
